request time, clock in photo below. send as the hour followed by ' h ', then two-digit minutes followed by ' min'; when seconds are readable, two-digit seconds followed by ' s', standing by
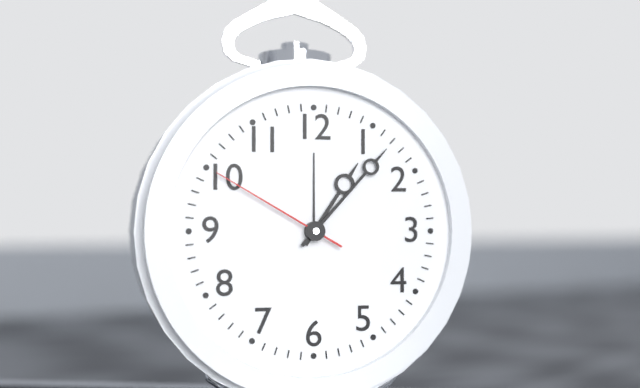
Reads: 1 h 07 min 50 s
